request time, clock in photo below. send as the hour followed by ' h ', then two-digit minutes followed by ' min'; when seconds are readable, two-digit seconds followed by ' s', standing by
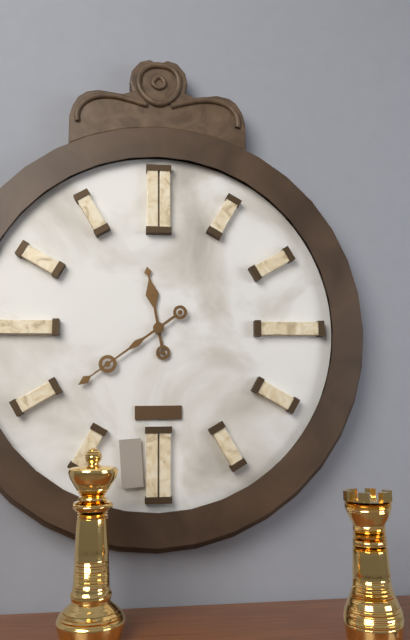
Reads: 11 h 39 min
